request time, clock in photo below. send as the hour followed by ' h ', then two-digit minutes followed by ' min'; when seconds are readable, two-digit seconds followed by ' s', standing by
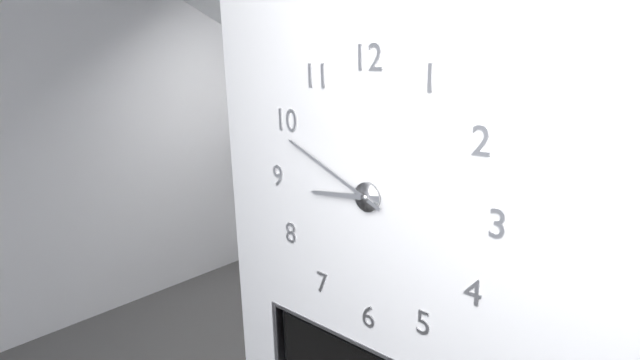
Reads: 8 h 49 min
